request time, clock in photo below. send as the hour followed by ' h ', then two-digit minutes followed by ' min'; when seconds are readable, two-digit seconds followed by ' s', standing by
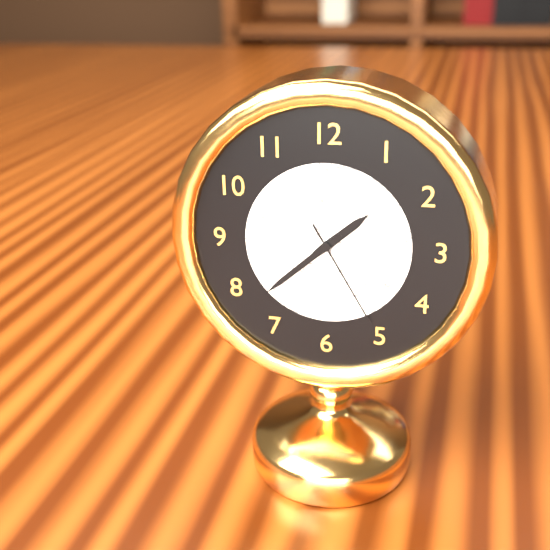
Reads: 1 h 38 min 25 s
